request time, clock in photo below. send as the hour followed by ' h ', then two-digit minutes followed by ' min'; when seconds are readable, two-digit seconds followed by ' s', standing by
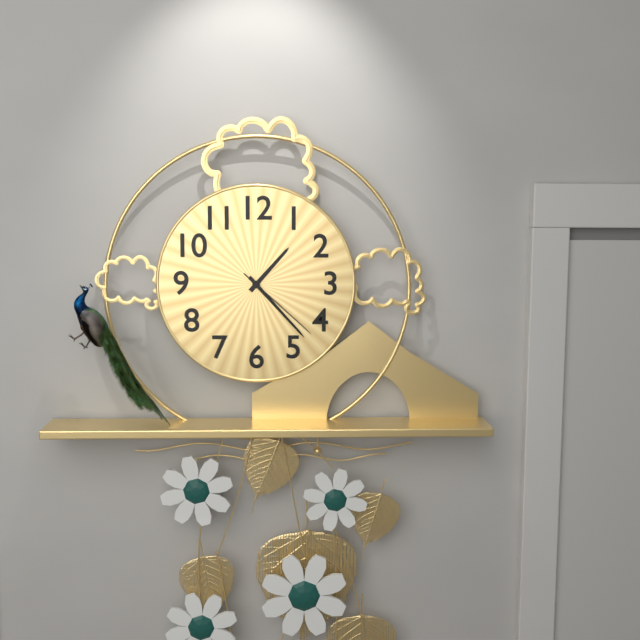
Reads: 1 h 23 min 22 s
